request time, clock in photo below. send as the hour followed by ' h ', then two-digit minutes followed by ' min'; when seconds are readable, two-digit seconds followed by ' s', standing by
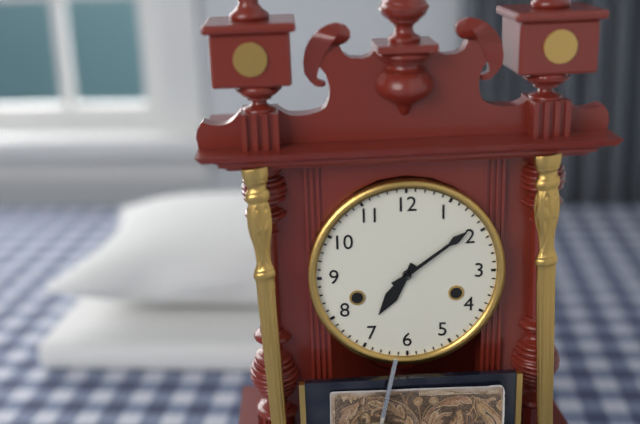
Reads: 7 h 09 min
